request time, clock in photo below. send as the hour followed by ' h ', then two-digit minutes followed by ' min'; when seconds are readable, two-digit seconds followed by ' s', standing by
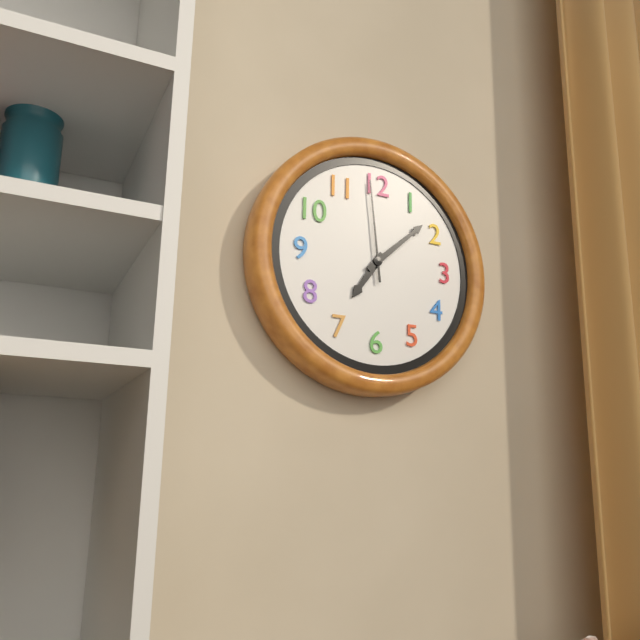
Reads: 7 h 08 min 59 s
